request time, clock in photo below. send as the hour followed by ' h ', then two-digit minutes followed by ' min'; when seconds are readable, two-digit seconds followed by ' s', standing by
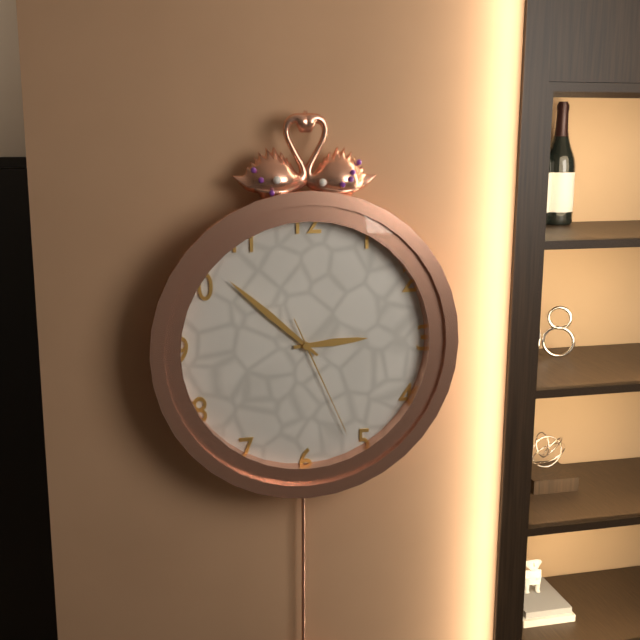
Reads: 2 h 52 min 26 s
